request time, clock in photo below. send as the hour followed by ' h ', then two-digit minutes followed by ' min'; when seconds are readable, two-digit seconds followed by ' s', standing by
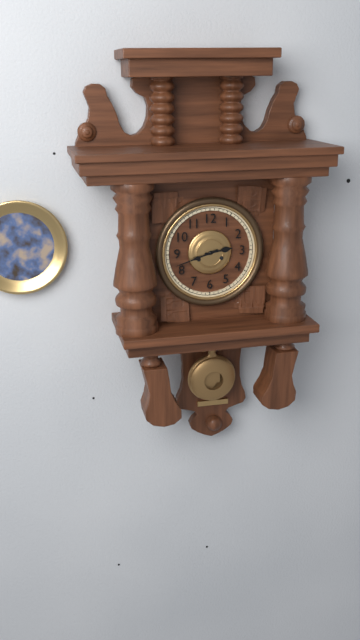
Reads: 2 h 42 min
